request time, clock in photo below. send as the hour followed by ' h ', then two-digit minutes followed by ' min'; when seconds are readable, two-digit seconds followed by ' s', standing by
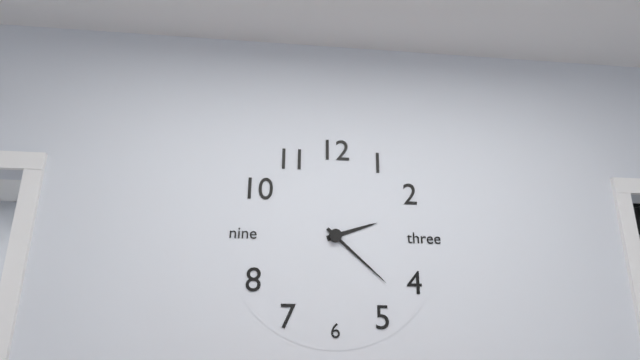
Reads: 2 h 22 min
